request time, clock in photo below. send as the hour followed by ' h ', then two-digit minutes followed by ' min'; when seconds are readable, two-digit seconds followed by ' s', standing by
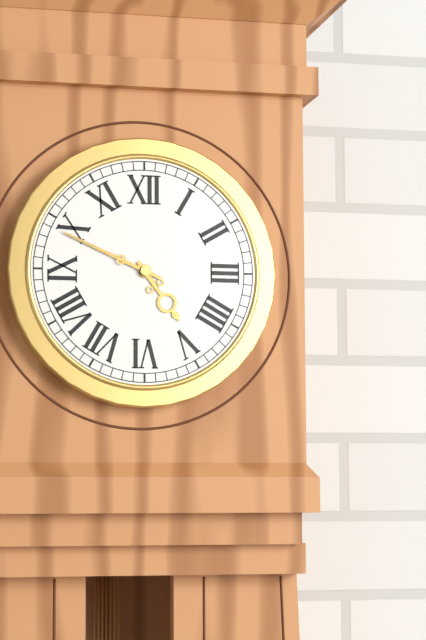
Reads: 4 h 49 min
